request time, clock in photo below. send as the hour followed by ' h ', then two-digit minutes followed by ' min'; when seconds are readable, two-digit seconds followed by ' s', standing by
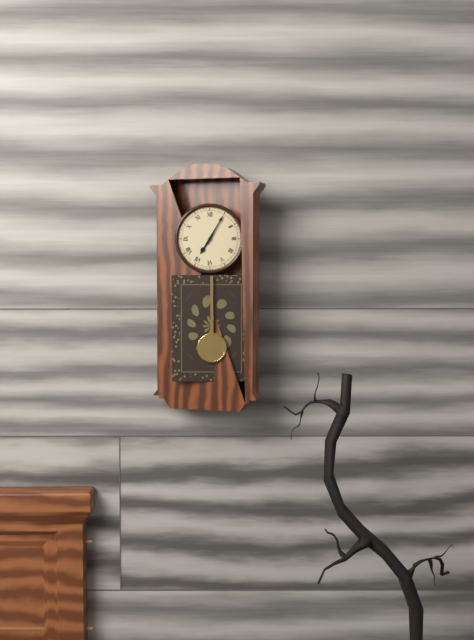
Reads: 7 h 05 min
